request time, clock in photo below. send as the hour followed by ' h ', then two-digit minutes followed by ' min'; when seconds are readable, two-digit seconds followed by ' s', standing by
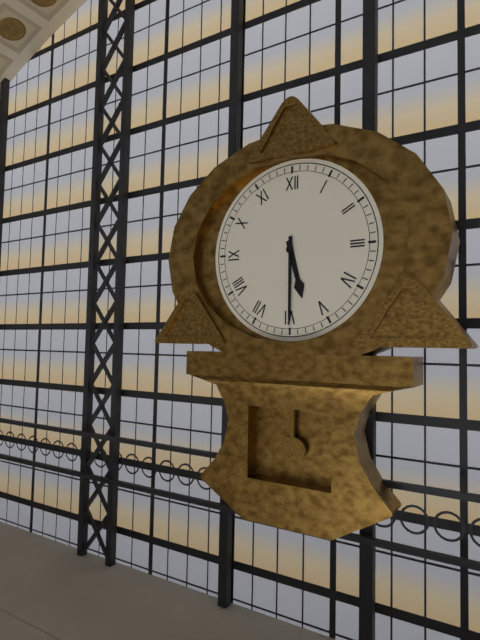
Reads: 5 h 30 min
